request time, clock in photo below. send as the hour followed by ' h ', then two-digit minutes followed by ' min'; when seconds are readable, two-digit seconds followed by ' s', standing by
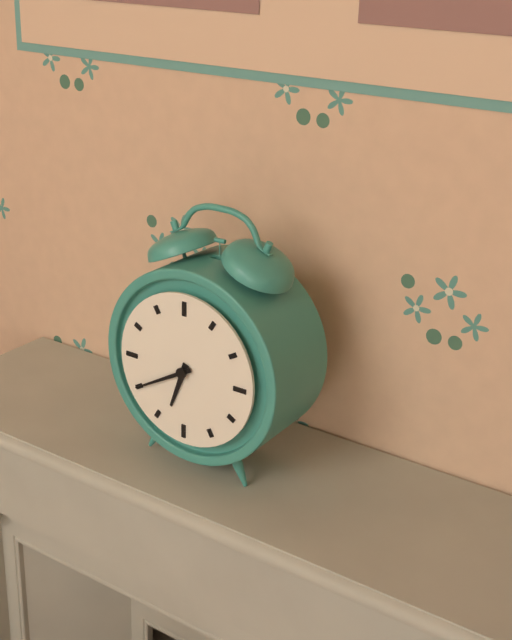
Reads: 6 h 40 min
